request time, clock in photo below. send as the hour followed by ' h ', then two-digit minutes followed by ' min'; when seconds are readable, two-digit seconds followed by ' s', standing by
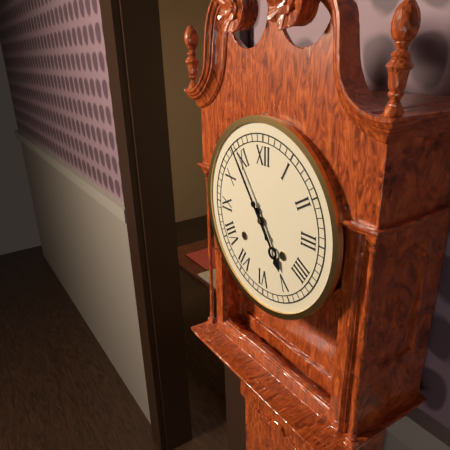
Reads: 4 h 54 min
